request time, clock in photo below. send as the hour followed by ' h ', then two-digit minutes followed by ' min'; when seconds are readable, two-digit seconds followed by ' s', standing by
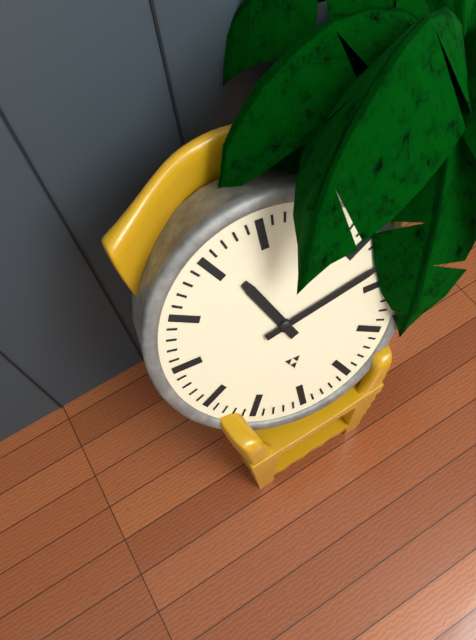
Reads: 11 h 13 min
